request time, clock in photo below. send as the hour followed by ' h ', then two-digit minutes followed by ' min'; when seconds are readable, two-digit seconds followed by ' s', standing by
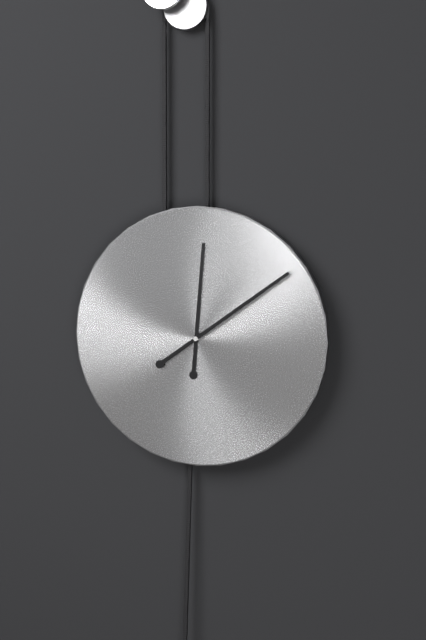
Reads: 12 h 09 min
